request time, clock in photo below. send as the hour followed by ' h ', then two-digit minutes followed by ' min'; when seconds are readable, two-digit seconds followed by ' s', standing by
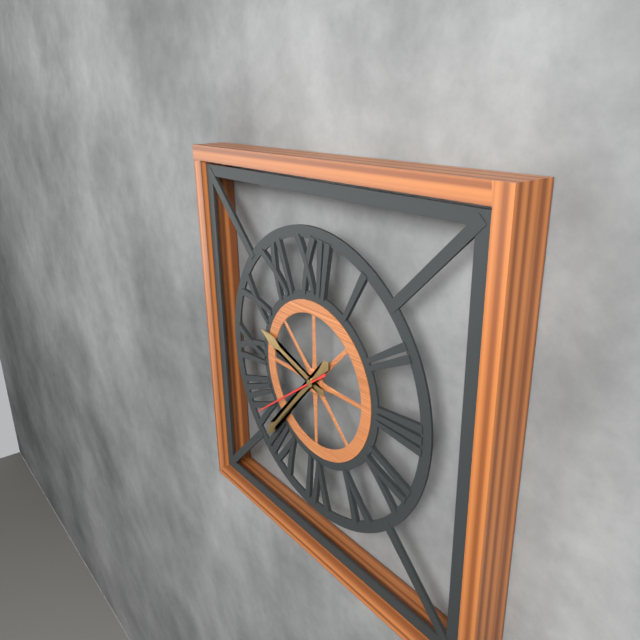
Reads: 9 h 37 min 39 s
